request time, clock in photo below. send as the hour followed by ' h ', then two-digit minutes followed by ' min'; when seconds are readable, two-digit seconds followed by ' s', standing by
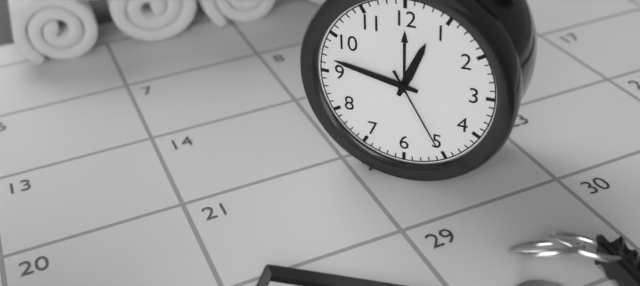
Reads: 12 h 47 min 25 s
